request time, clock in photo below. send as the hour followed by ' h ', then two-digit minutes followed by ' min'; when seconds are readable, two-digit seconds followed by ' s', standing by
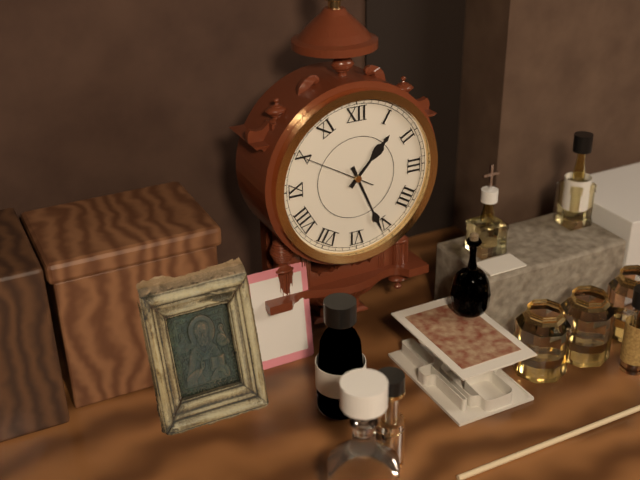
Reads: 1 h 26 min 50 s
